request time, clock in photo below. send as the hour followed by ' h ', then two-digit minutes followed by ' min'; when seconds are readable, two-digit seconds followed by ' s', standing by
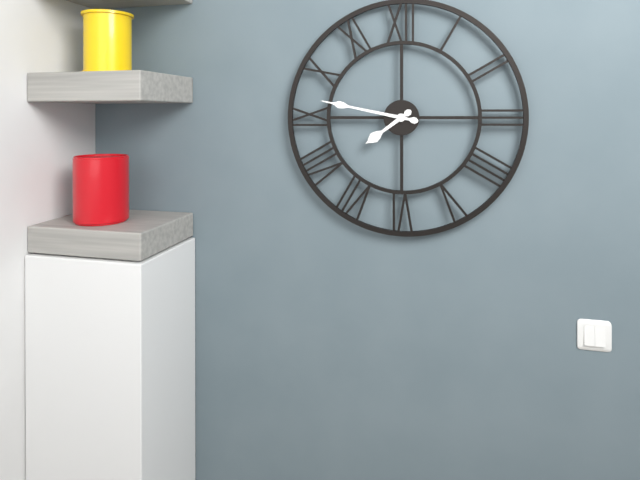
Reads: 7 h 47 min
